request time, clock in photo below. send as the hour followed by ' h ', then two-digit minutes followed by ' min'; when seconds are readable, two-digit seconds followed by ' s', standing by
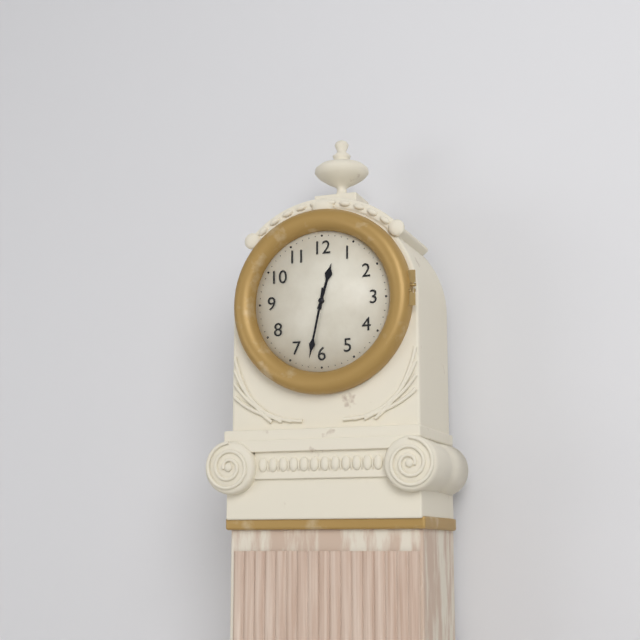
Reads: 12 h 32 min
